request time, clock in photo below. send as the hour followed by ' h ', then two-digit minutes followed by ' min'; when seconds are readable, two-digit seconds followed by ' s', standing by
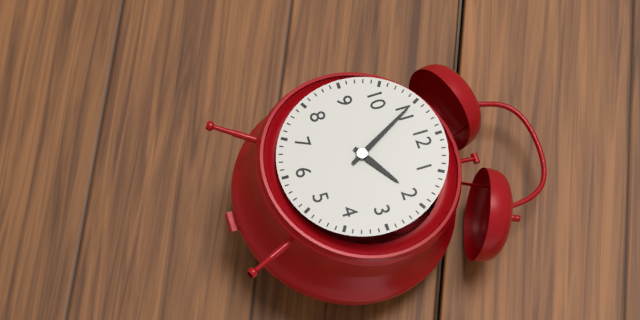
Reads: 1 h 55 min
